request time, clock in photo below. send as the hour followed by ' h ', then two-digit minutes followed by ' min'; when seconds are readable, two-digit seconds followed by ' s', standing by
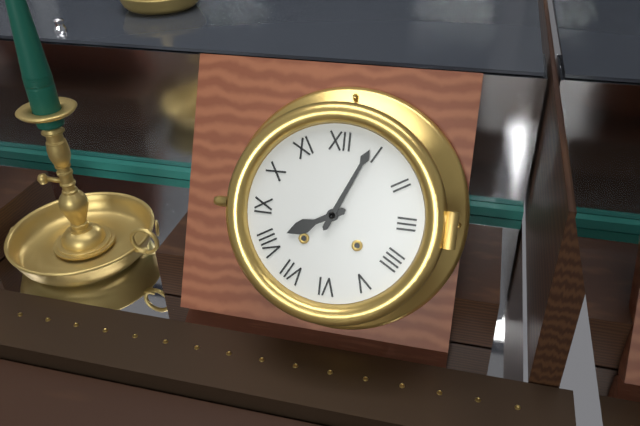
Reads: 8 h 04 min
